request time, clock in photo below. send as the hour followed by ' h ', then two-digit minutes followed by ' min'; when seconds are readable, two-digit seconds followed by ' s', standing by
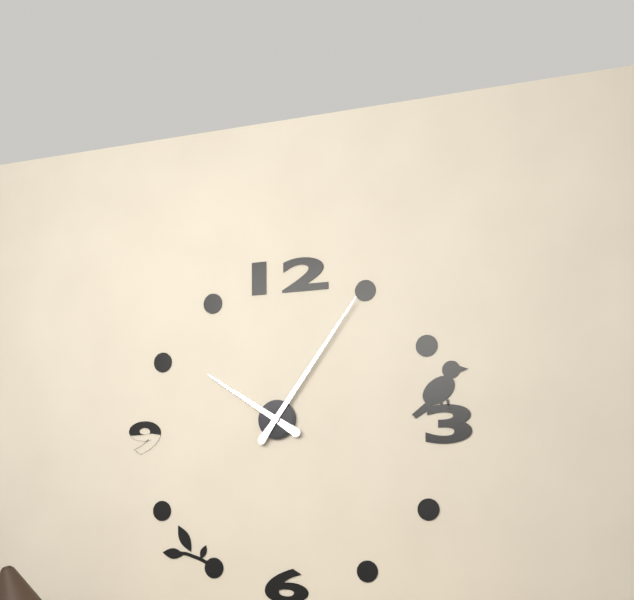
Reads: 10 h 06 min
